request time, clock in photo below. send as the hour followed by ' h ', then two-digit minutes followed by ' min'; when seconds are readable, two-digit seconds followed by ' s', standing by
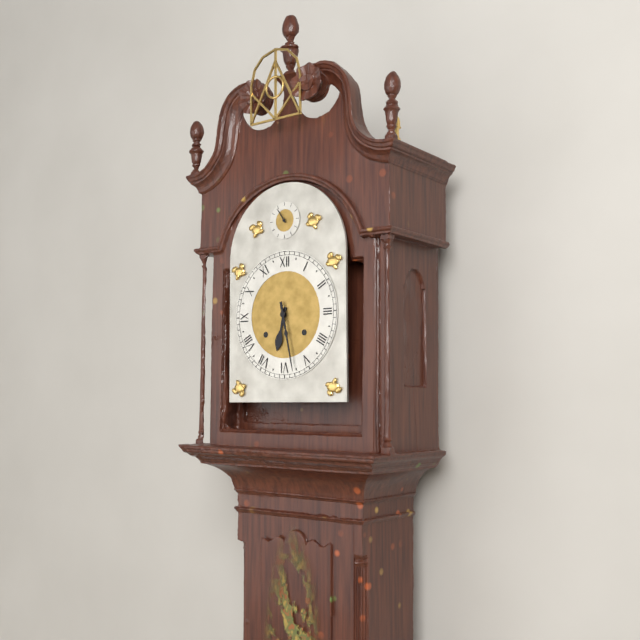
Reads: 6 h 28 min
